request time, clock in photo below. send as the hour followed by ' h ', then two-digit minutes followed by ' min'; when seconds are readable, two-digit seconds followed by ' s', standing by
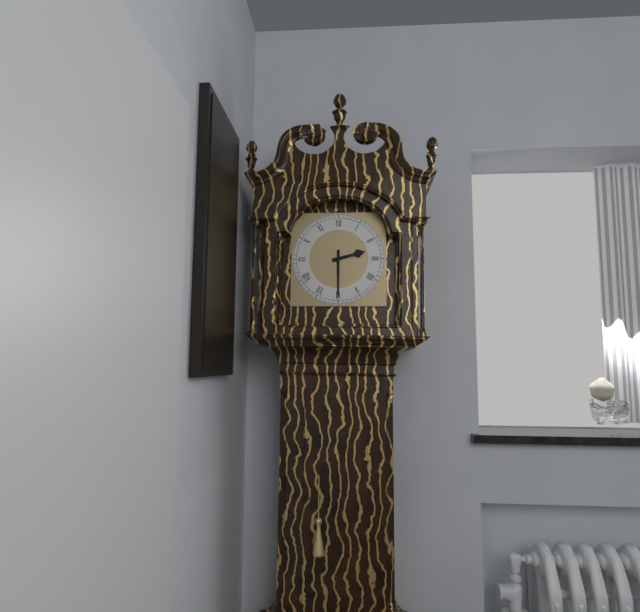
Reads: 2 h 30 min
